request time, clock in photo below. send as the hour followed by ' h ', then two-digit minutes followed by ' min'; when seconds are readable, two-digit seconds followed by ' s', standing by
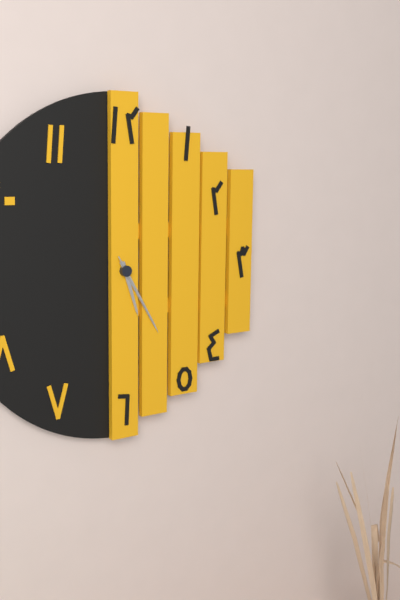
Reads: 5 h 25 min 25 s
